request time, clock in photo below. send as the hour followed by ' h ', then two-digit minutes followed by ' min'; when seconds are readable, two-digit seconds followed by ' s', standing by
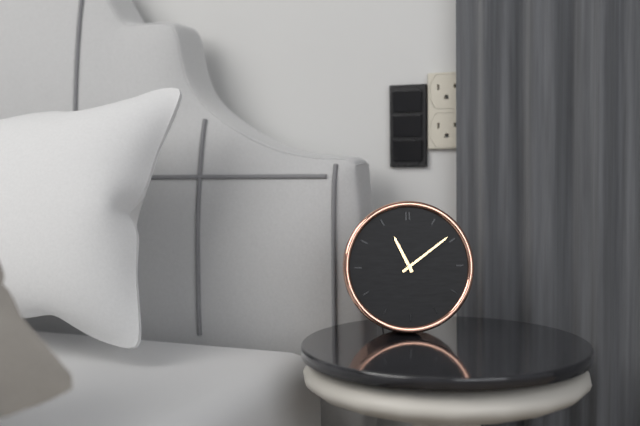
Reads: 11 h 09 min
